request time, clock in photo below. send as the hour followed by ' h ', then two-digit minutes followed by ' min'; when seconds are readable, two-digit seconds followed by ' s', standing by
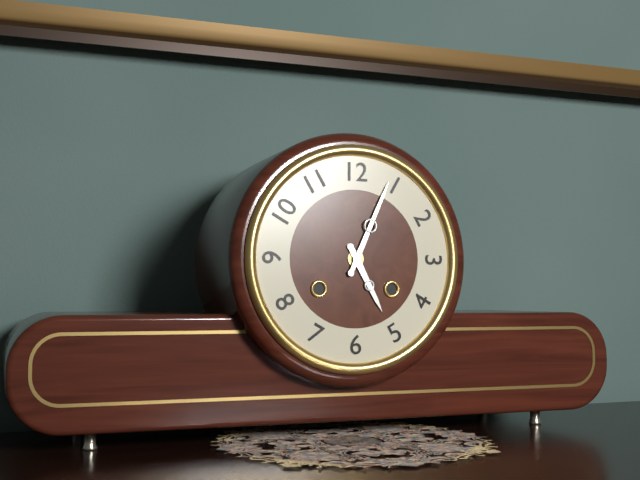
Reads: 5 h 04 min
